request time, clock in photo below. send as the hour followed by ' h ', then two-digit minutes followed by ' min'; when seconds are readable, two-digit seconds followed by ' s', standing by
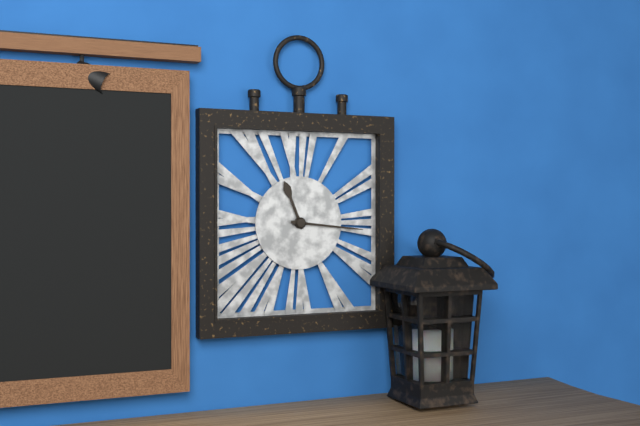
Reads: 11 h 16 min
